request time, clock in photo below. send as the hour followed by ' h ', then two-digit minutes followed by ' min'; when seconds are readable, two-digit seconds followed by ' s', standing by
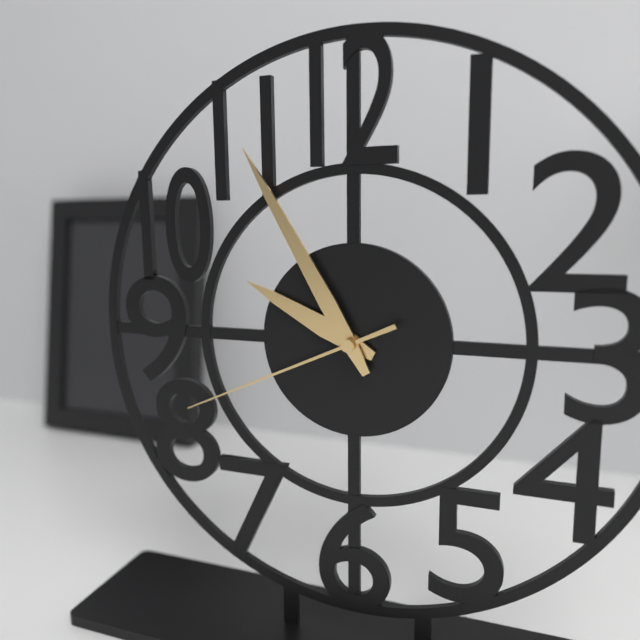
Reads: 9 h 55 min 41 s
